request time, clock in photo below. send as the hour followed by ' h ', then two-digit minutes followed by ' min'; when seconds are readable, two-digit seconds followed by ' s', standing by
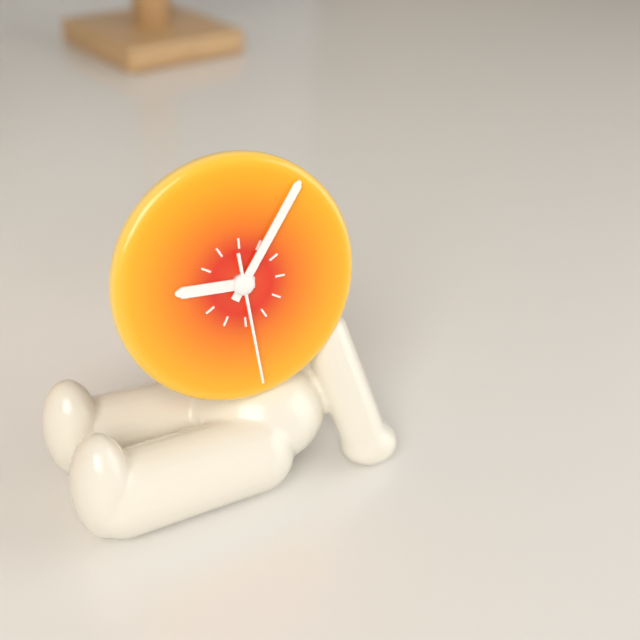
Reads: 9 h 06 min 29 s
